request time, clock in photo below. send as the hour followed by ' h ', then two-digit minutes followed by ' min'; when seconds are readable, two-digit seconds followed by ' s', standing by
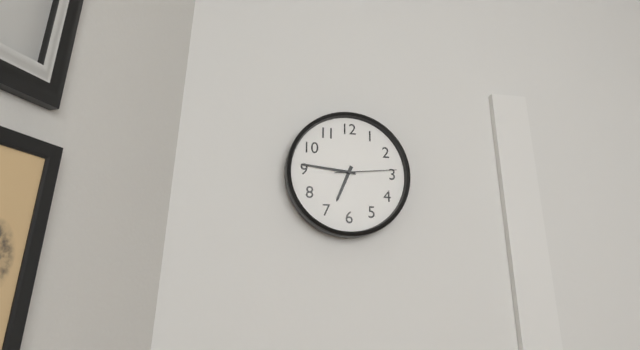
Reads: 6 h 46 min 14 s
